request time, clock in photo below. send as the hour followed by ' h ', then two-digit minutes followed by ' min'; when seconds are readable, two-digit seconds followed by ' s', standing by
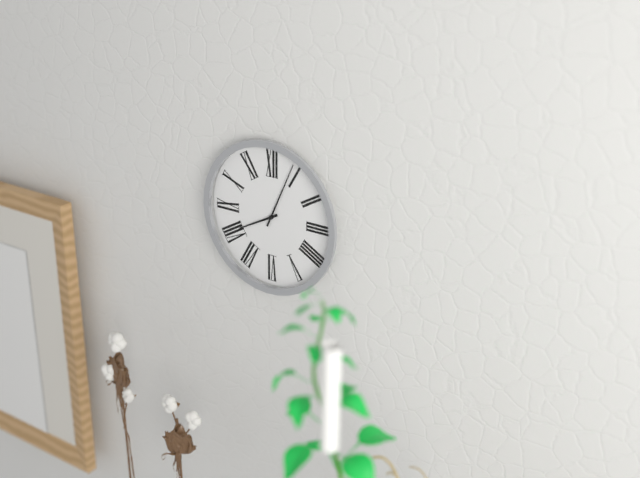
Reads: 8 h 04 min
